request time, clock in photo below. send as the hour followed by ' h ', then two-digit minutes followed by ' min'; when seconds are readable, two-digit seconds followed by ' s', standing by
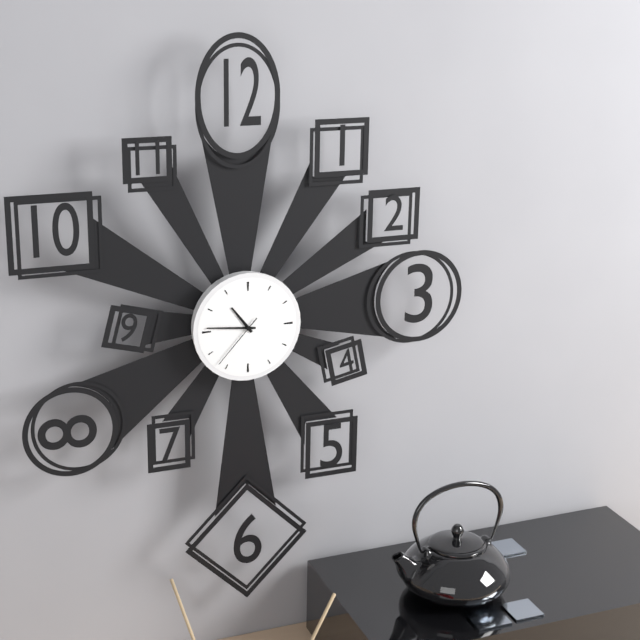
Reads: 10 h 46 min 37 s
